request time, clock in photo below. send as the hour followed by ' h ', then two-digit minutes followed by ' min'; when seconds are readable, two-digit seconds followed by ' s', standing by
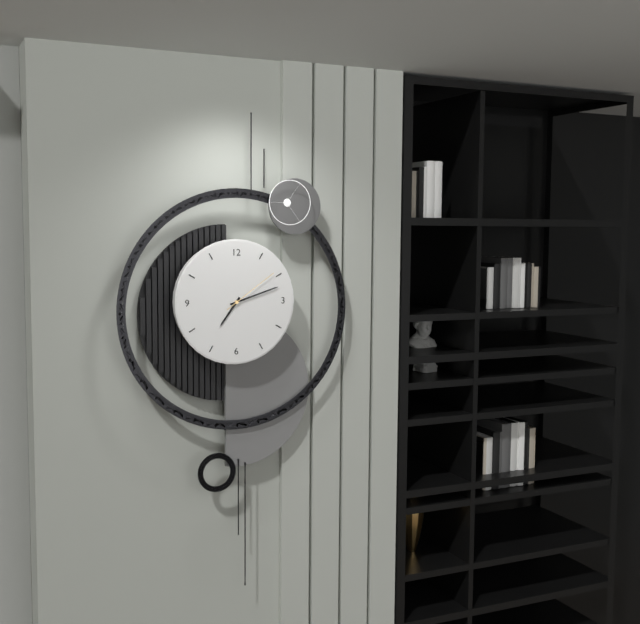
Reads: 7 h 12 min 09 s
